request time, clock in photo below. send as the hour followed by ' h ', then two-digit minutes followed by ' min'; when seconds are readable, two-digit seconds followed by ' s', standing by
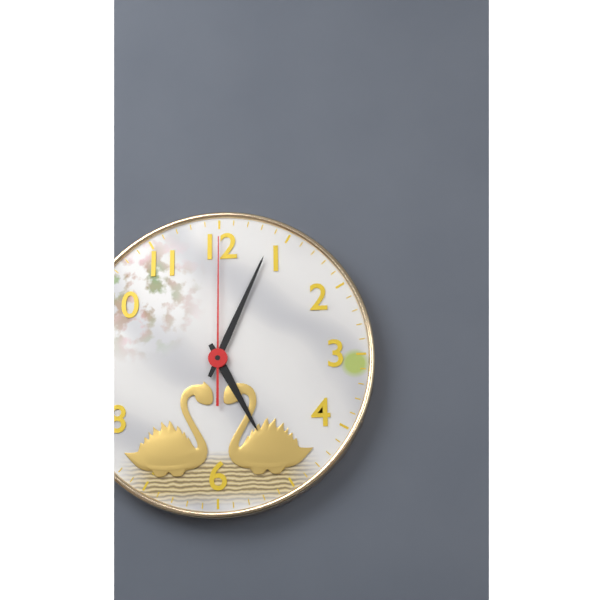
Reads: 5 h 04 min 00 s
